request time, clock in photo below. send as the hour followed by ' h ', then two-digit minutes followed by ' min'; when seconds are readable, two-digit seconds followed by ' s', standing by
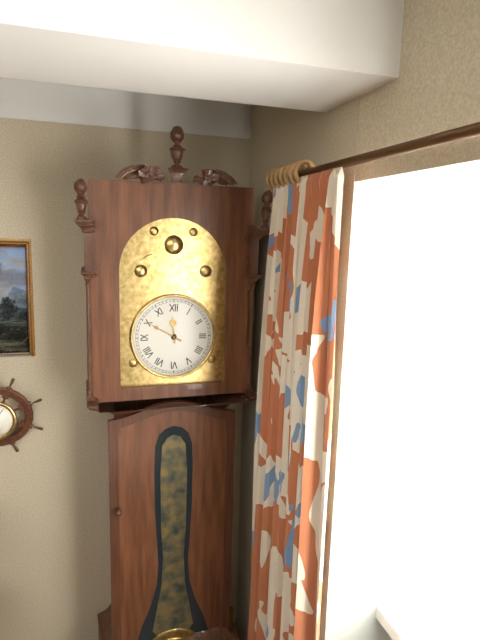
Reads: 11 h 50 min
